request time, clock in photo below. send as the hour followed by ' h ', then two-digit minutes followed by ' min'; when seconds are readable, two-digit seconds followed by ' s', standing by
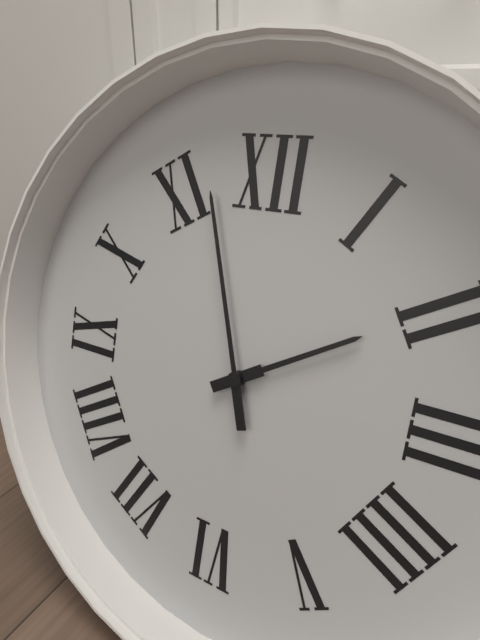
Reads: 1 h 57 min
